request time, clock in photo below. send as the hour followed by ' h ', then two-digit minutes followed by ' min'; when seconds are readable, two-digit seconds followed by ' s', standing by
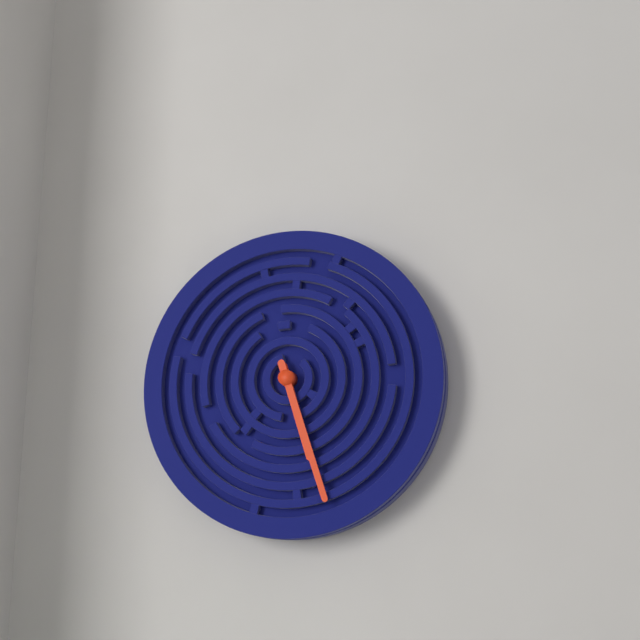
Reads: 5 h 27 min
